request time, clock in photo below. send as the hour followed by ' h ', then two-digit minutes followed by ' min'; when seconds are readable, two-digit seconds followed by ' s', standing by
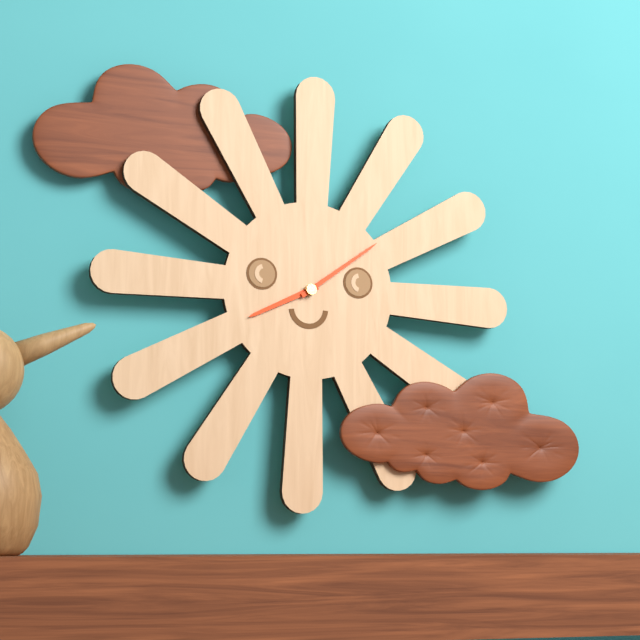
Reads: 8 h 09 min
